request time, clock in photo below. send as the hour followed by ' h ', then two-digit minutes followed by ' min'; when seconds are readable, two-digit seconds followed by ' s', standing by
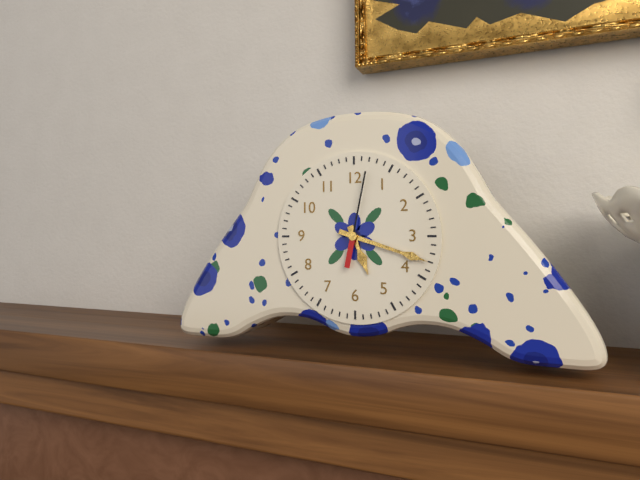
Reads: 5 h 18 min 02 s
